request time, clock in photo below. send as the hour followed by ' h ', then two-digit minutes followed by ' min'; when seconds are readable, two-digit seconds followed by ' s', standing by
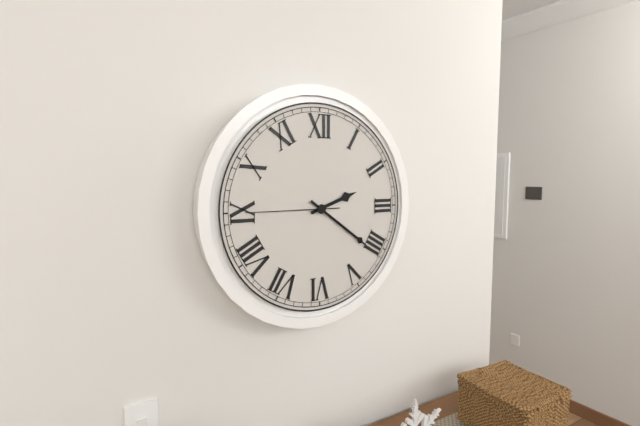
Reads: 2 h 21 min 45 s
